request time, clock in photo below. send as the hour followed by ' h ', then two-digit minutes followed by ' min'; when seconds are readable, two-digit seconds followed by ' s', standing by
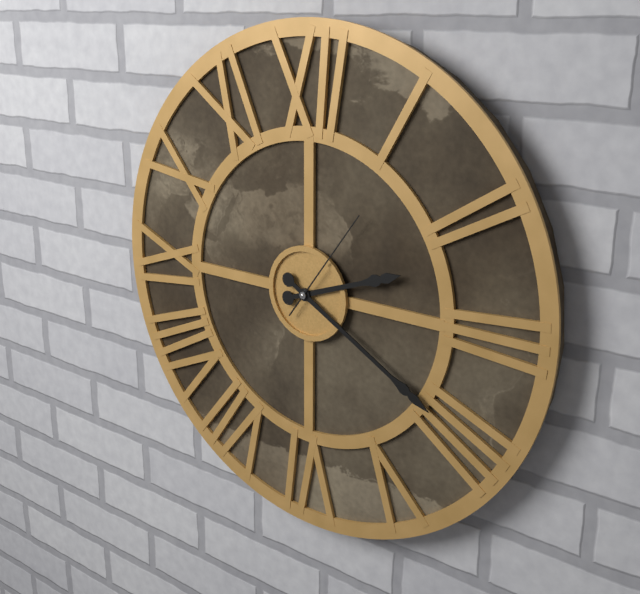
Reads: 2 h 20 min 06 s
